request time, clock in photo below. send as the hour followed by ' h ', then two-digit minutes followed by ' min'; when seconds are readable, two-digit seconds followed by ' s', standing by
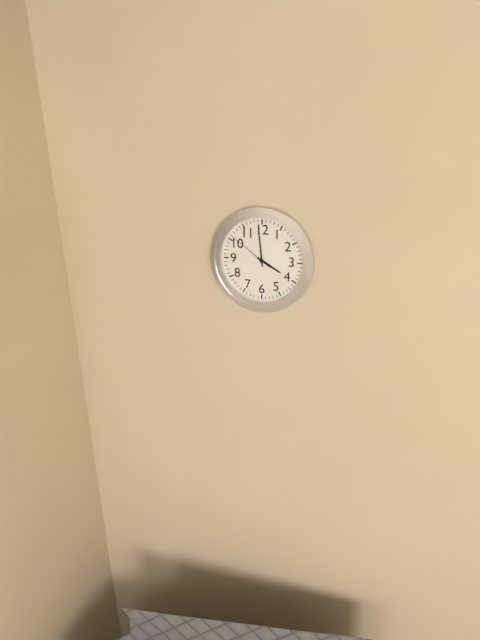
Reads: 3 h 59 min
